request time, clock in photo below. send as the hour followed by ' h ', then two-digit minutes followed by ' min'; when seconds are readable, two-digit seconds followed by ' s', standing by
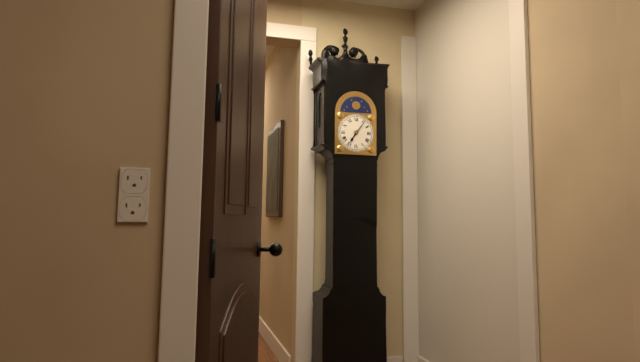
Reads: 7 h 06 min
